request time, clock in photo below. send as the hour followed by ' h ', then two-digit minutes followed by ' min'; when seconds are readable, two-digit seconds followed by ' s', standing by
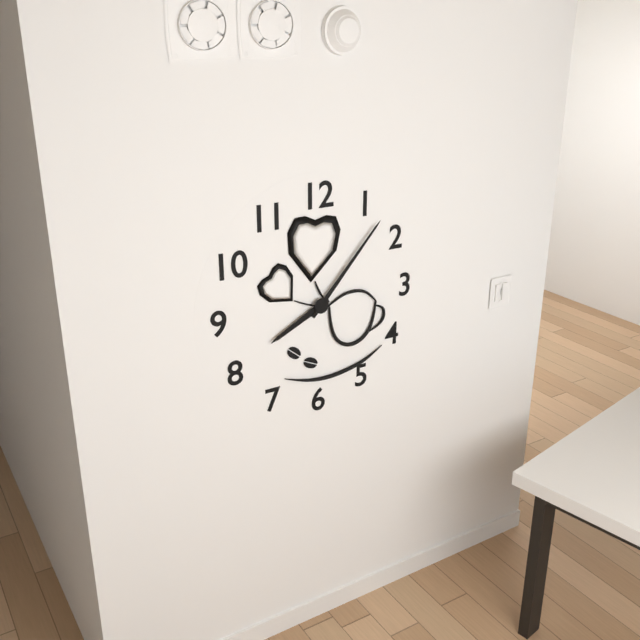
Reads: 8 h 07 min
